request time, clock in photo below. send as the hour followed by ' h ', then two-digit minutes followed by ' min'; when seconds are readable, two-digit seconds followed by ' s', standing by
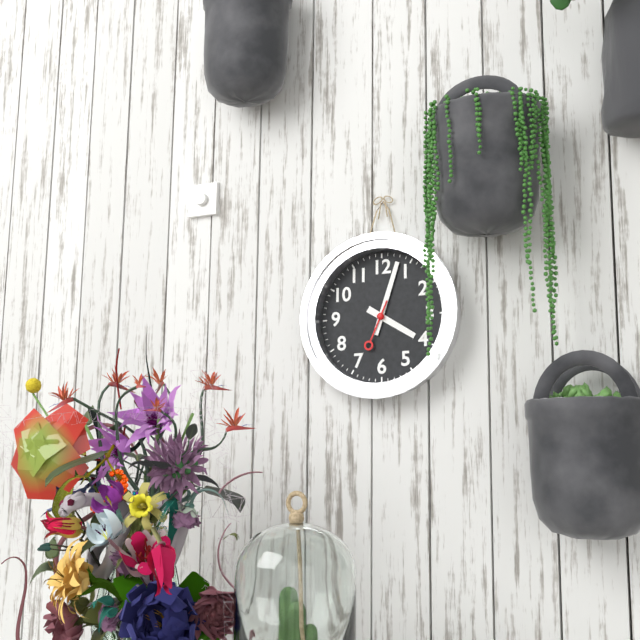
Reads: 4 h 03 min
